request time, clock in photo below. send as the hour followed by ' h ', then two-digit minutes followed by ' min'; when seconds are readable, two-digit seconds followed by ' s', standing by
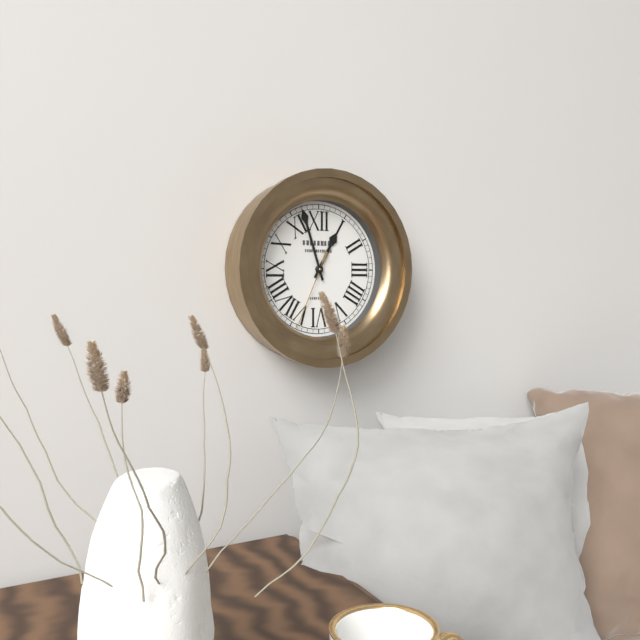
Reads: 12 h 57 min 34 s
